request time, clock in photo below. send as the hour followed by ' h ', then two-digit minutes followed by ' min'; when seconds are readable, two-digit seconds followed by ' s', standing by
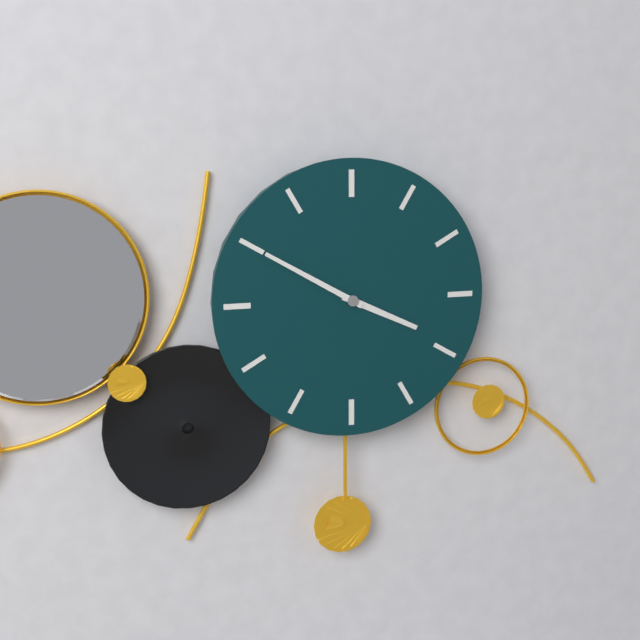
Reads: 3 h 50 min
